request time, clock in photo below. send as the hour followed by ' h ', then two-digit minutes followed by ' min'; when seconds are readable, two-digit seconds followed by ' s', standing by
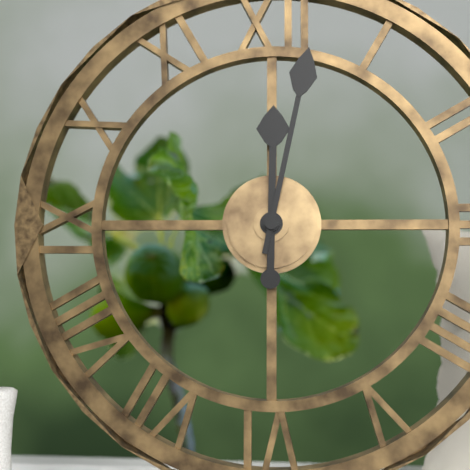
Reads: 12 h 02 min
